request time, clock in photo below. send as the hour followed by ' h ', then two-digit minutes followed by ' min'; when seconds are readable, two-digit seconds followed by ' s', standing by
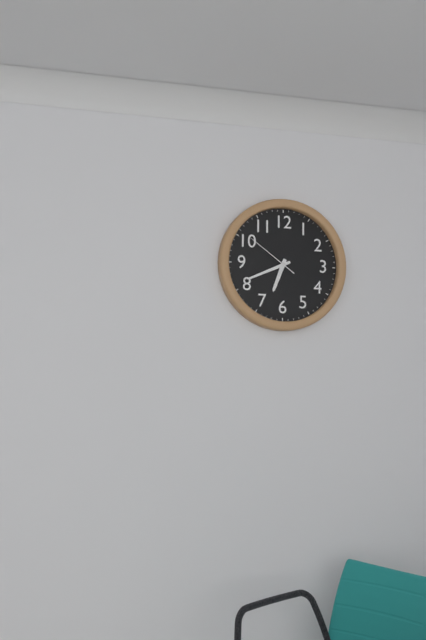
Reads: 6 h 41 min 51 s
